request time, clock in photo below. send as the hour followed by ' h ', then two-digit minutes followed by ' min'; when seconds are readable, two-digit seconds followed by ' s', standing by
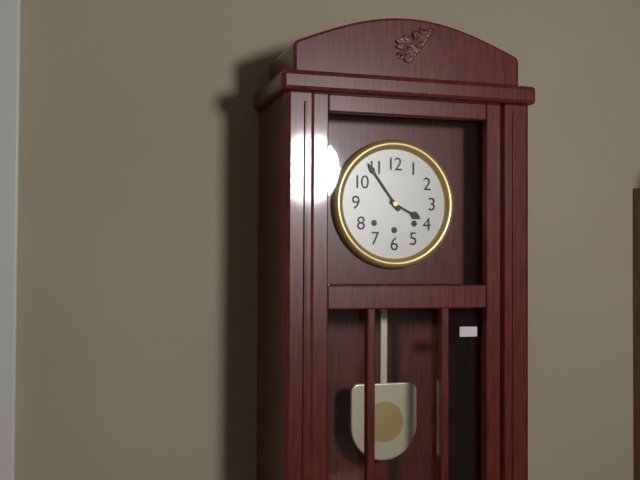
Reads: 3 h 54 min
